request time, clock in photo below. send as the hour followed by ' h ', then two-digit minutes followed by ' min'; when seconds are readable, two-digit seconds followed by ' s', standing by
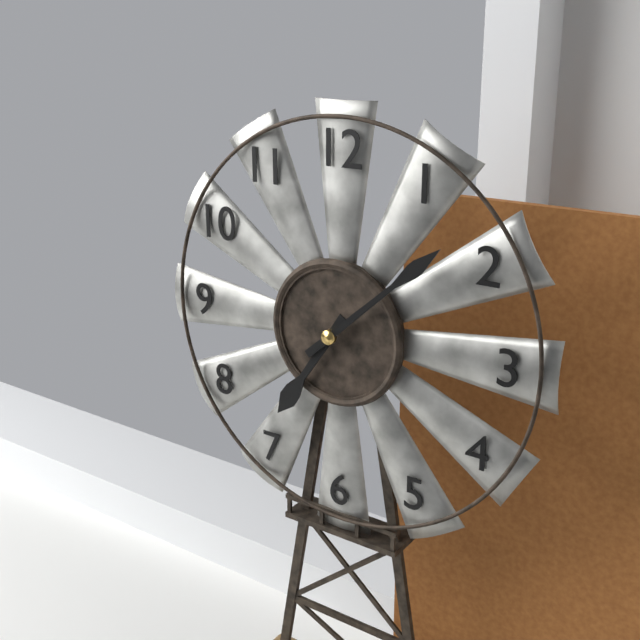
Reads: 7 h 08 min
